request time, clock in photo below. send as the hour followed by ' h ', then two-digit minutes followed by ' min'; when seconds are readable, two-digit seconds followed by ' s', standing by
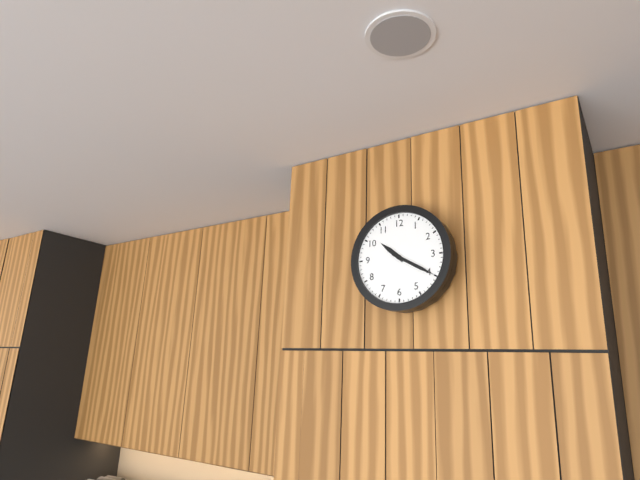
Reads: 10 h 20 min
